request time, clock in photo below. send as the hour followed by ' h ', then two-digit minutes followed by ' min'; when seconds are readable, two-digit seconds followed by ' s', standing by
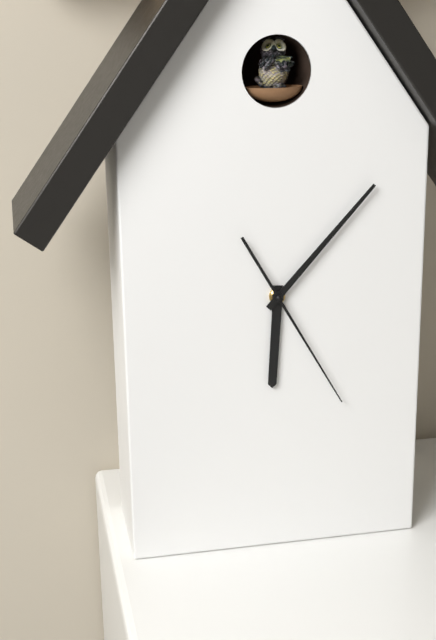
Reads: 6 h 07 min 25 s
